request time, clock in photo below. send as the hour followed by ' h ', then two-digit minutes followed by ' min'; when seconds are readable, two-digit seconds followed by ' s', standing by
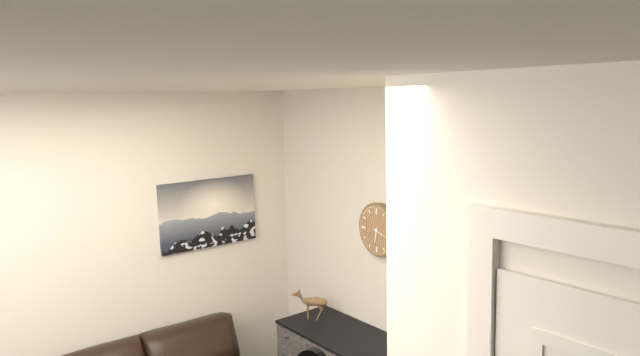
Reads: 6 h 18 min
